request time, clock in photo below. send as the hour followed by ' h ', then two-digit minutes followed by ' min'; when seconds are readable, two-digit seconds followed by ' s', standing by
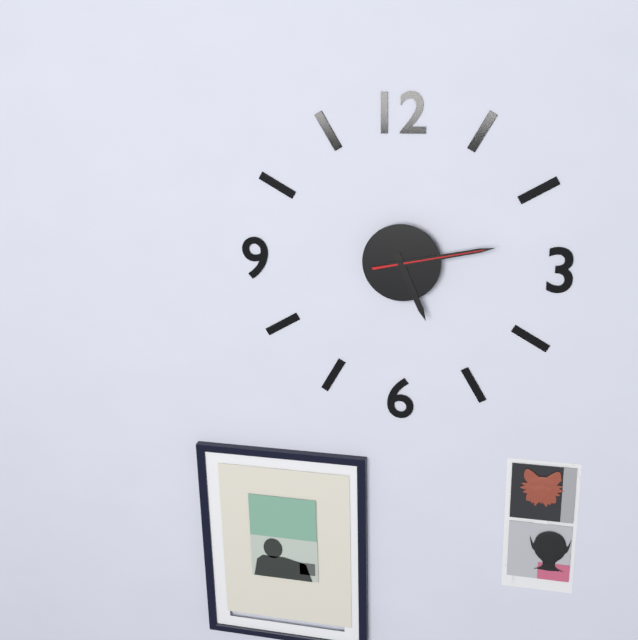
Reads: 5 h 13 min 13 s
